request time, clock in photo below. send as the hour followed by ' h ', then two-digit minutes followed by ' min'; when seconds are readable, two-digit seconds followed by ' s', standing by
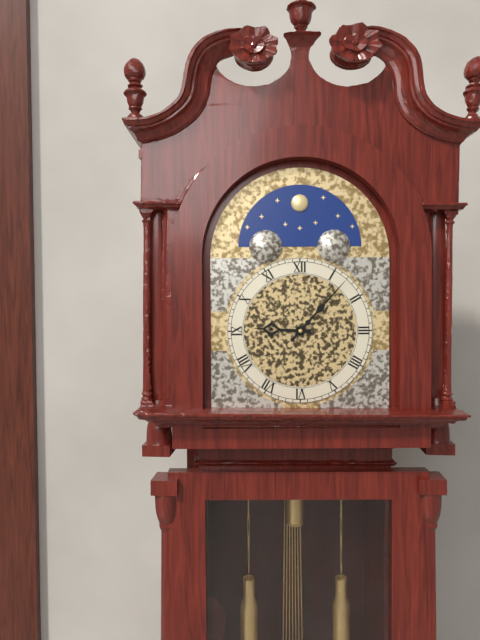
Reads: 9 h 07 min
